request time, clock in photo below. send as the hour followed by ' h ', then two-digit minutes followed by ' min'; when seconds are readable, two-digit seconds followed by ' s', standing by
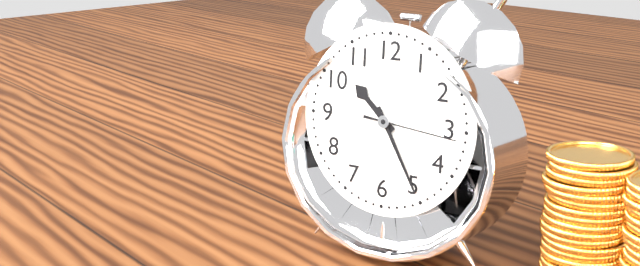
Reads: 10 h 25 min 16 s
